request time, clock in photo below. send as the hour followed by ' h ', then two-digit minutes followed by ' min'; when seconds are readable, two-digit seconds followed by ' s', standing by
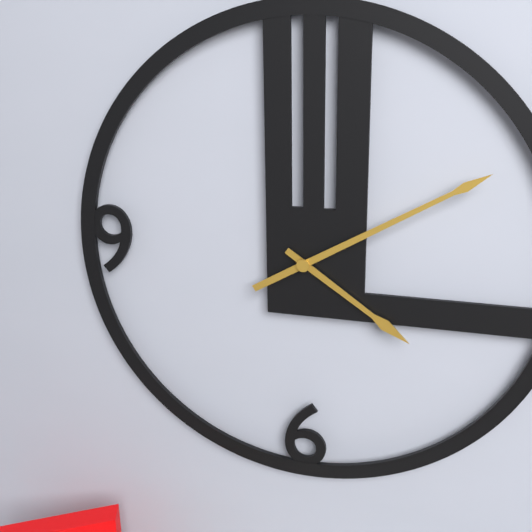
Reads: 4 h 10 min
